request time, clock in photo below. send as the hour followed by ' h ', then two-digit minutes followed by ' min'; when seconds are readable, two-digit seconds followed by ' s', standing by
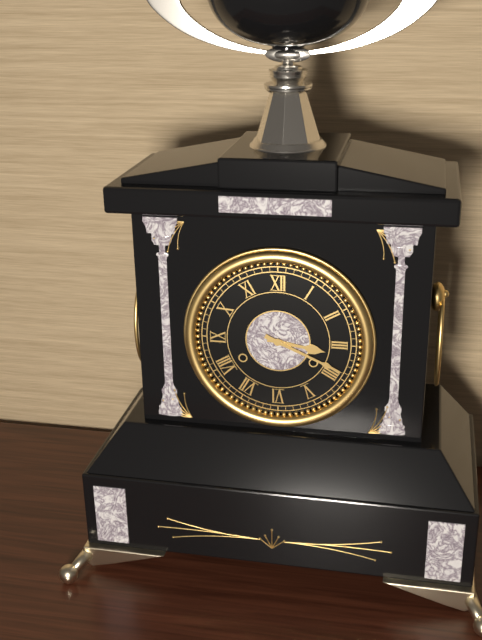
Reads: 3 h 19 min
